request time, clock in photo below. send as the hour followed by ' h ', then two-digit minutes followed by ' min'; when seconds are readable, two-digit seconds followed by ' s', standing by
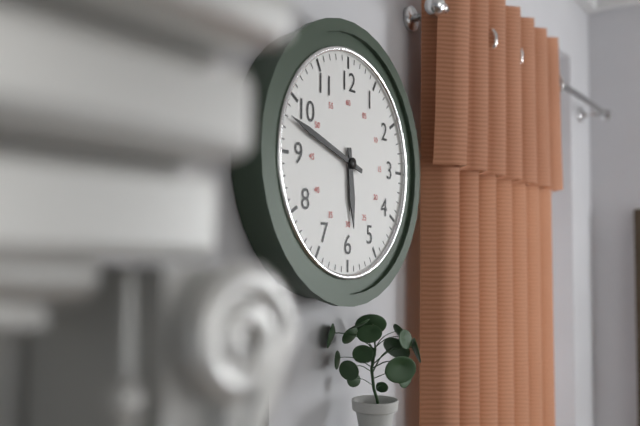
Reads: 5 h 48 min
